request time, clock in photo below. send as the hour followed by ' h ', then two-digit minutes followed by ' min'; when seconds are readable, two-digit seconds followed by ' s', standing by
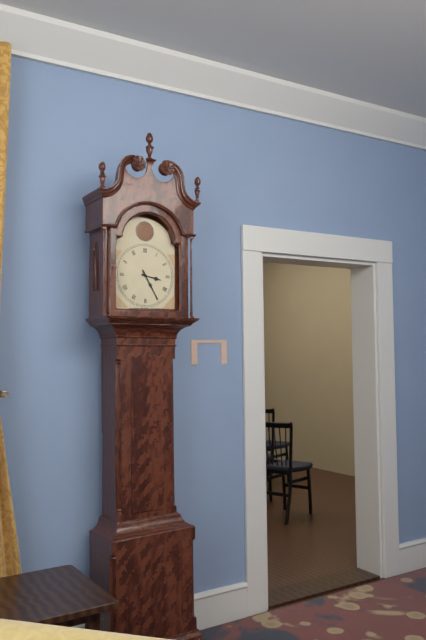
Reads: 3 h 25 min
